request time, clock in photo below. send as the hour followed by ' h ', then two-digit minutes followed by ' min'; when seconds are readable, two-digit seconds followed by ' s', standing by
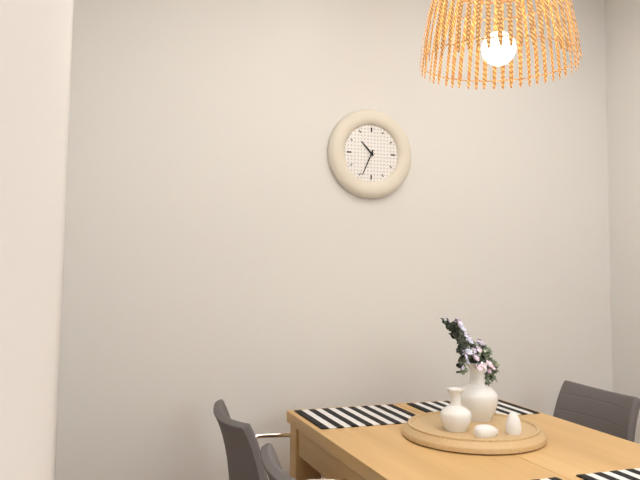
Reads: 10 h 34 min
